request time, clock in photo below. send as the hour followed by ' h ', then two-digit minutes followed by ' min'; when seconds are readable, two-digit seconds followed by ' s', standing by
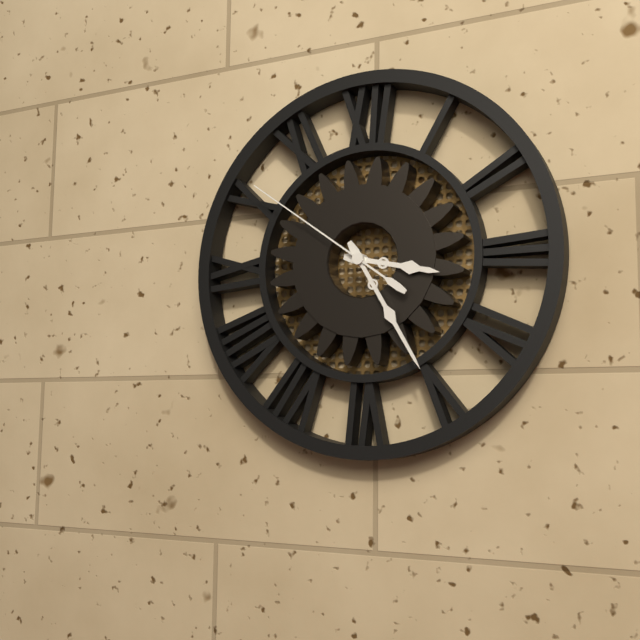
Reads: 3 h 25 min 51 s
